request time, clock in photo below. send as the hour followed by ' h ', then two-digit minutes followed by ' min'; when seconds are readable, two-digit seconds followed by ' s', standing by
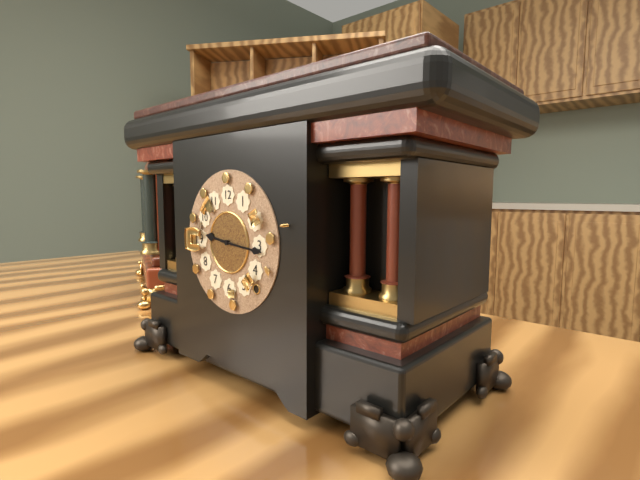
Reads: 9 h 16 min
